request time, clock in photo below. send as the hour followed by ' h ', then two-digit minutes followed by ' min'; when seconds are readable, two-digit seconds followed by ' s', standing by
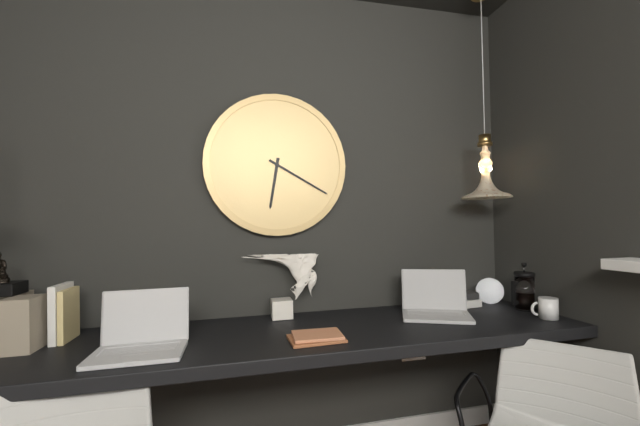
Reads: 6 h 20 min
